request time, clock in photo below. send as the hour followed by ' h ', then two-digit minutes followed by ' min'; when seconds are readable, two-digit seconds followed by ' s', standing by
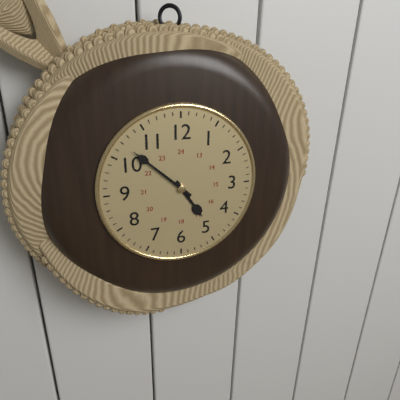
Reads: 4 h 52 min
